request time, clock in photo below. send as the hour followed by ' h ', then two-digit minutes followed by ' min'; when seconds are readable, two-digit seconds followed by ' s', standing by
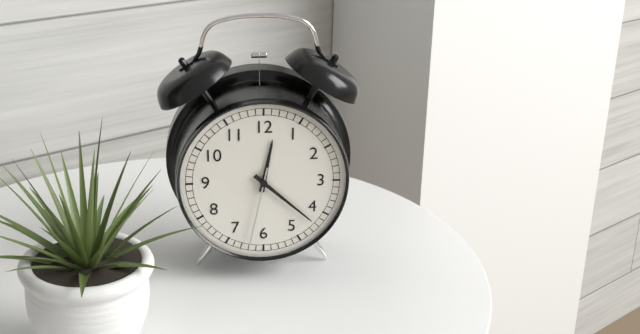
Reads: 12 h 22 min 32 s
